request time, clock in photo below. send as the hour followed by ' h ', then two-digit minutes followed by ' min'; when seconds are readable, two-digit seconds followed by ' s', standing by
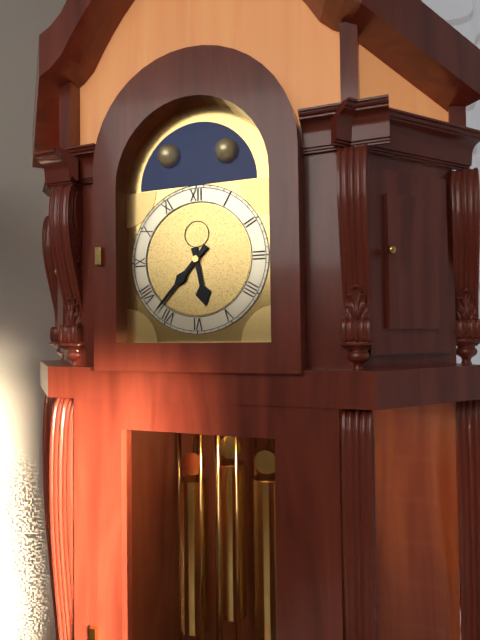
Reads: 5 h 37 min
